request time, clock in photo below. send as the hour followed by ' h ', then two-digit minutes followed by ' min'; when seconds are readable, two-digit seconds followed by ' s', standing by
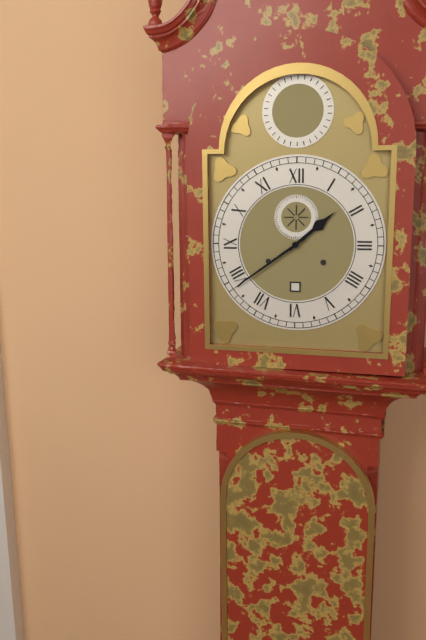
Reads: 1 h 39 min
